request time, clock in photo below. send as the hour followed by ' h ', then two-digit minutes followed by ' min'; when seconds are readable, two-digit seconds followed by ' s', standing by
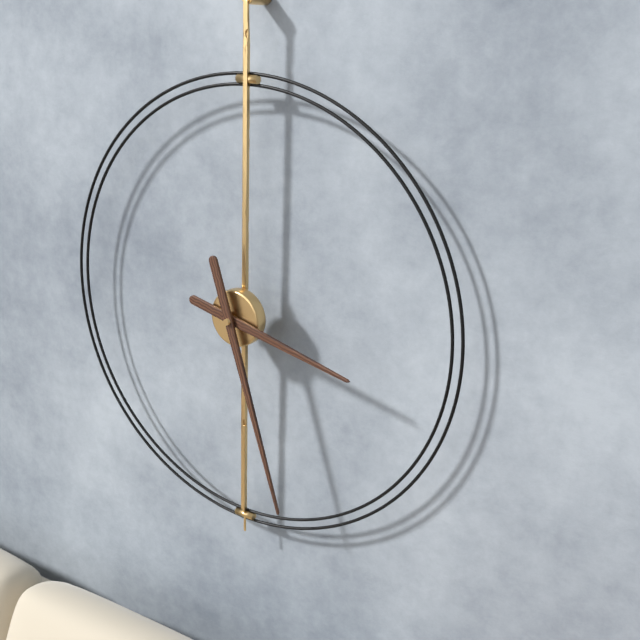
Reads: 3 h 27 min
